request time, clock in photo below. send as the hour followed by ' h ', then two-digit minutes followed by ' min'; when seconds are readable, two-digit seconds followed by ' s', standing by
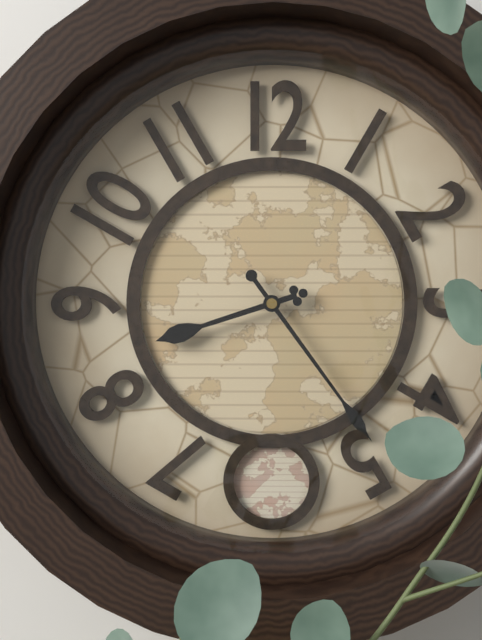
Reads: 8 h 24 min
